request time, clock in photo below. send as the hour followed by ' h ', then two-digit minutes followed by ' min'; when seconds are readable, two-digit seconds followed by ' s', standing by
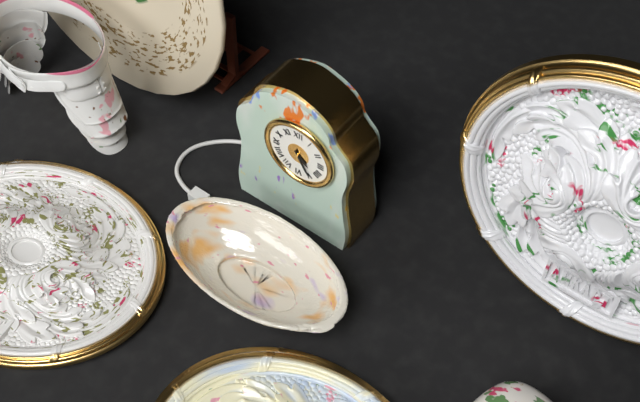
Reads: 4 h 25 min
